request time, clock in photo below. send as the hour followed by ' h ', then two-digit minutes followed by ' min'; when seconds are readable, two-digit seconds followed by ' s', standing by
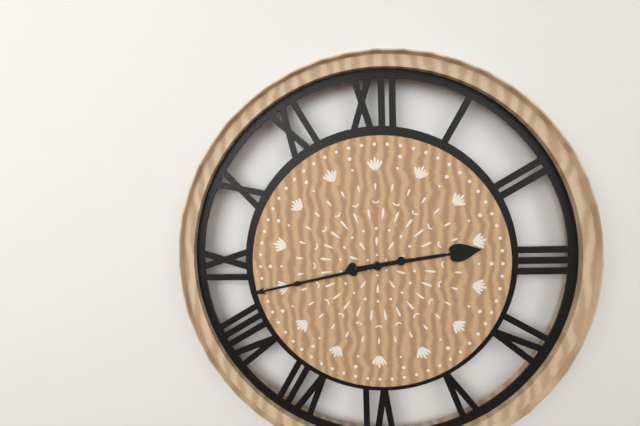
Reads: 2 h 43 min
